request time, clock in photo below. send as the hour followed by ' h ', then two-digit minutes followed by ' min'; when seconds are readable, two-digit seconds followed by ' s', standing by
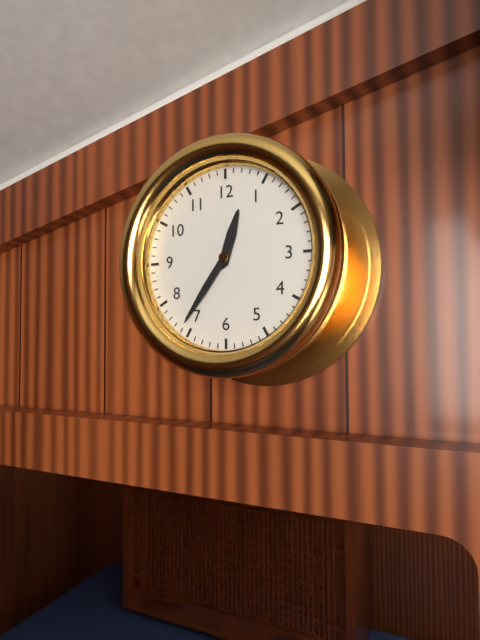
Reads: 12 h 36 min
